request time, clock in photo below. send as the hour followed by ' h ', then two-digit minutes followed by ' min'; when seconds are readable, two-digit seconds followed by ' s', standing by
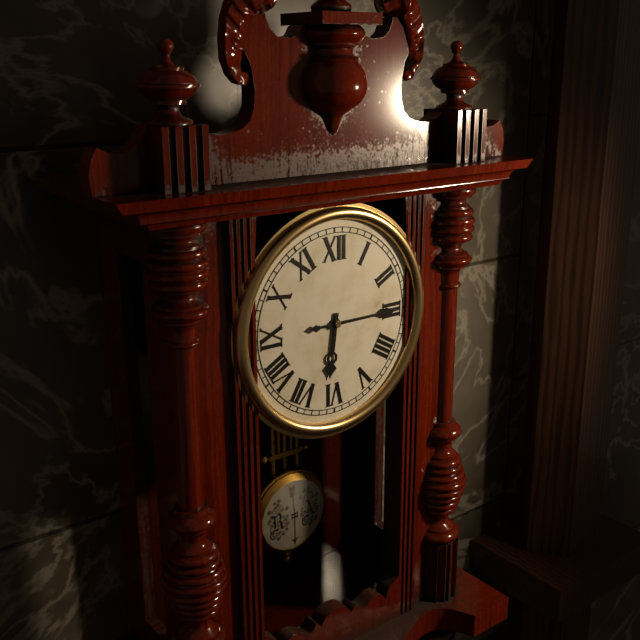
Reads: 6 h 15 min
